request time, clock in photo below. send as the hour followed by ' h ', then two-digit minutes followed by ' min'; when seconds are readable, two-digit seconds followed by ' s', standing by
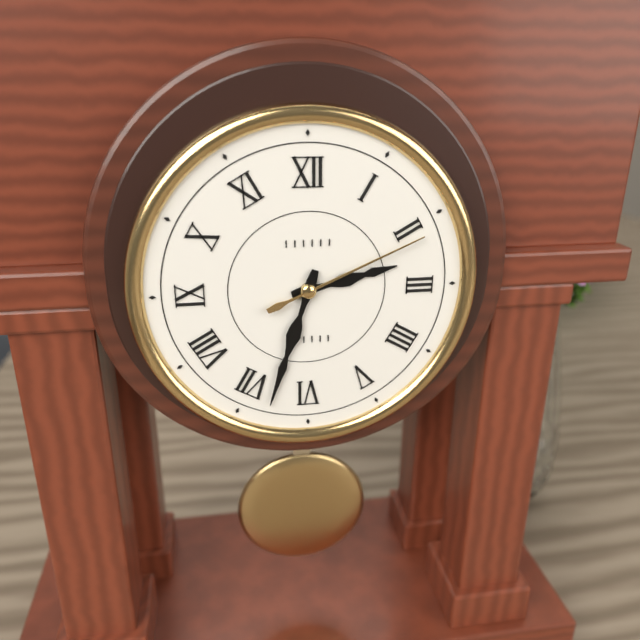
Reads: 2 h 33 min 11 s
